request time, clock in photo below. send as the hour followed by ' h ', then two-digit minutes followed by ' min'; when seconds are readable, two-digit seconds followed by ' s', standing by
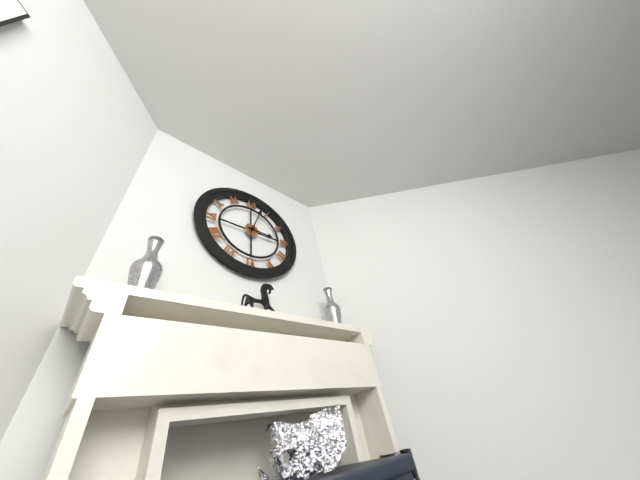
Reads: 3 h 03 min
